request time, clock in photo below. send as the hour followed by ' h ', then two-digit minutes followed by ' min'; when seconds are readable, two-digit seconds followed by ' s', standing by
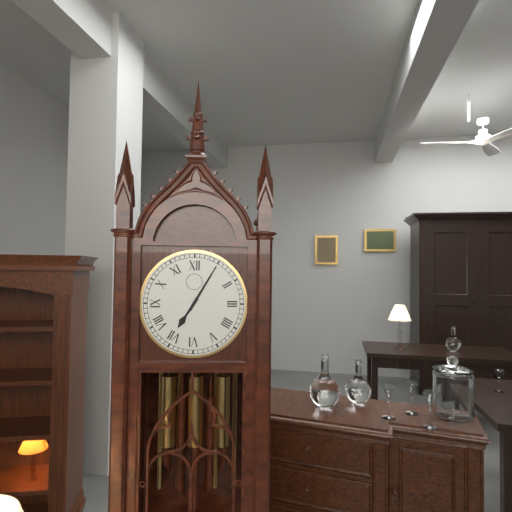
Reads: 7 h 05 min
